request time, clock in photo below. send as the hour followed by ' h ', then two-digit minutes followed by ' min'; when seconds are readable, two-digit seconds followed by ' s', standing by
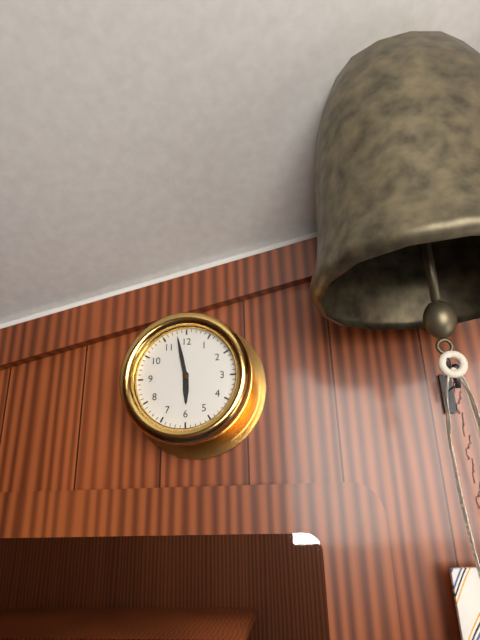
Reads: 5 h 58 min
